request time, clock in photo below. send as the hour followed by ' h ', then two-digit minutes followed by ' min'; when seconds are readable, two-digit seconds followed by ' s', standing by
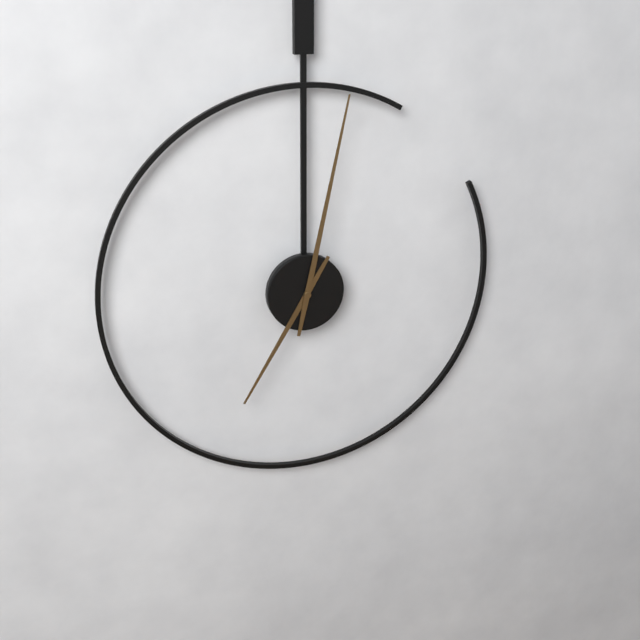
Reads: 7 h 02 min
